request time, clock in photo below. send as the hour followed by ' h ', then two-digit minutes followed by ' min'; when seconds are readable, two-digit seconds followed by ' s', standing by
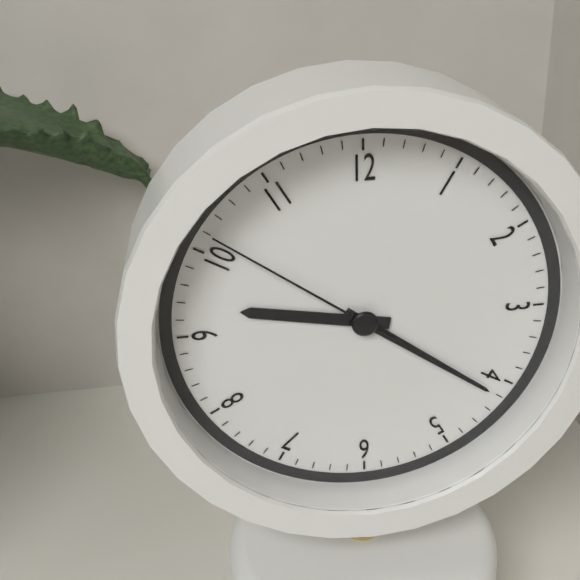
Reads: 9 h 21 min 51 s
